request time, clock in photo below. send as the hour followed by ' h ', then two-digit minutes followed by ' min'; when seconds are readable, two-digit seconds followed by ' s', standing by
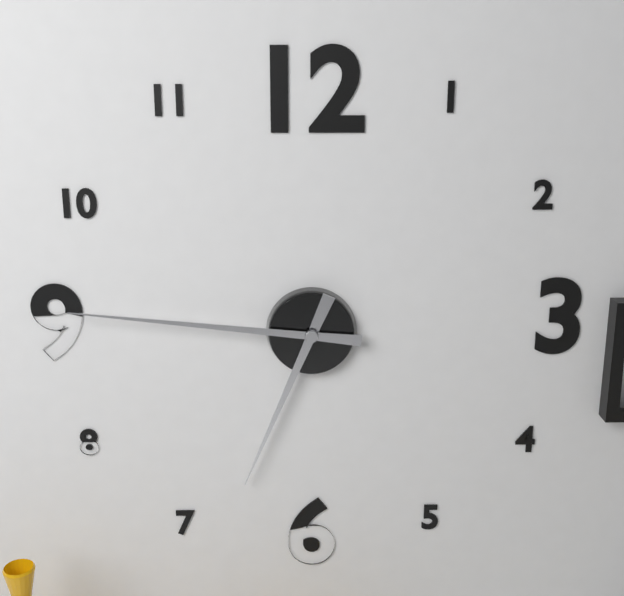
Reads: 6 h 46 min
